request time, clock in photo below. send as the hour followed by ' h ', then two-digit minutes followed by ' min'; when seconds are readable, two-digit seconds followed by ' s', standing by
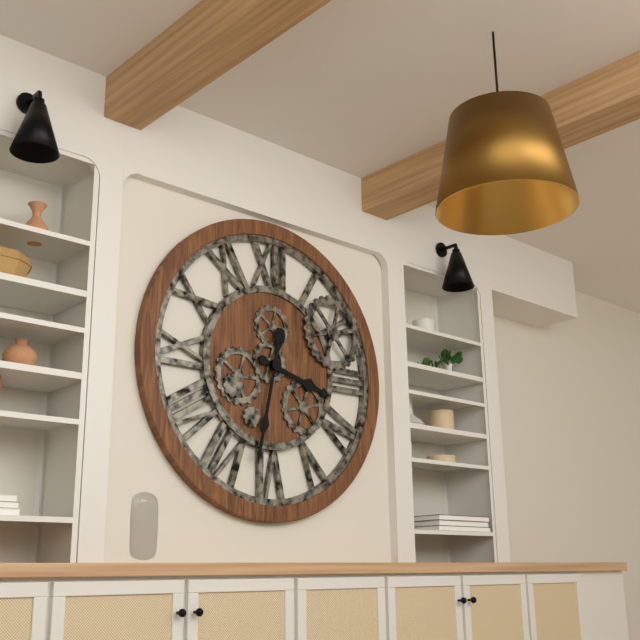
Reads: 3 h 32 min
